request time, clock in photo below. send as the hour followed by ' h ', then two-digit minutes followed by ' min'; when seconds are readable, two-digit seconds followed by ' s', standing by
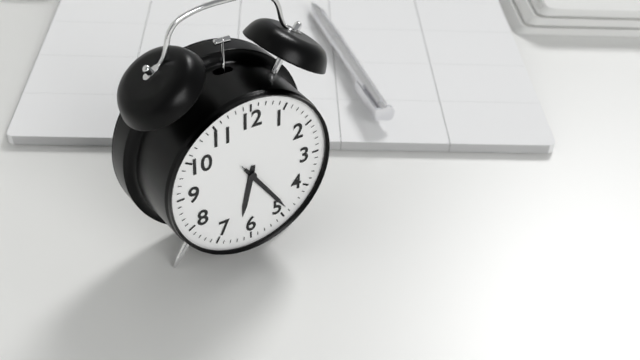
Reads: 6 h 24 min 24 s
